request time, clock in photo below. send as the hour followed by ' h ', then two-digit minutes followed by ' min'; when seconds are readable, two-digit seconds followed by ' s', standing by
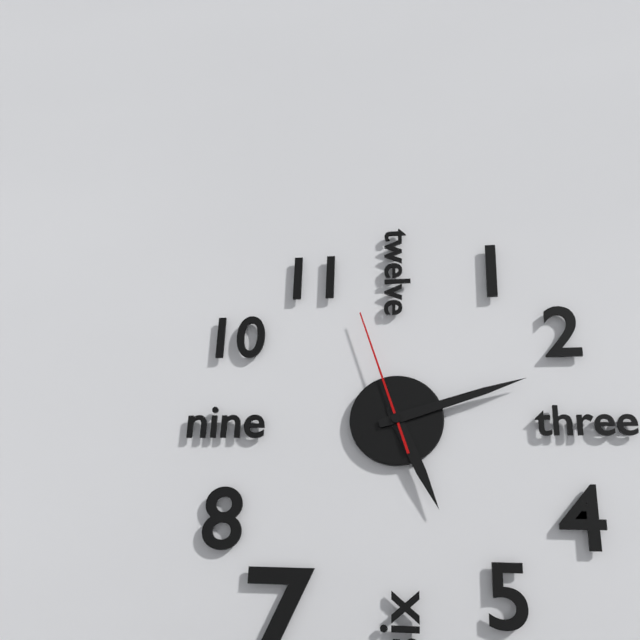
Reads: 5 h 12 min 57 s
